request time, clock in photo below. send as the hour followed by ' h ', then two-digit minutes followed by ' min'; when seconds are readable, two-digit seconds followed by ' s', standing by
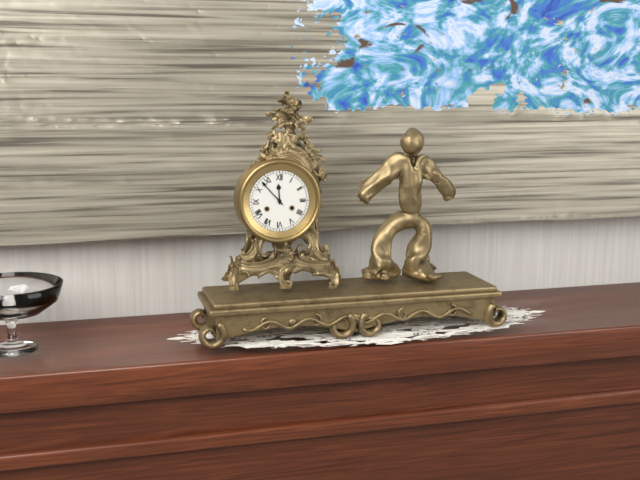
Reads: 11 h 53 min
